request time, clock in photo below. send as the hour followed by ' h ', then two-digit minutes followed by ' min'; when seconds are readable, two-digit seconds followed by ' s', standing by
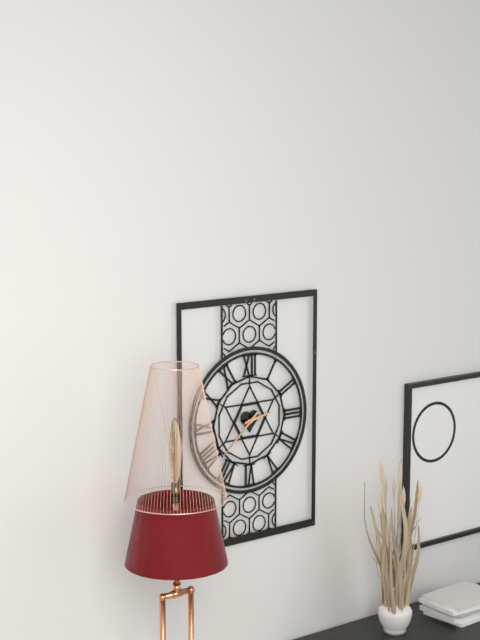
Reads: 2 h 38 min
